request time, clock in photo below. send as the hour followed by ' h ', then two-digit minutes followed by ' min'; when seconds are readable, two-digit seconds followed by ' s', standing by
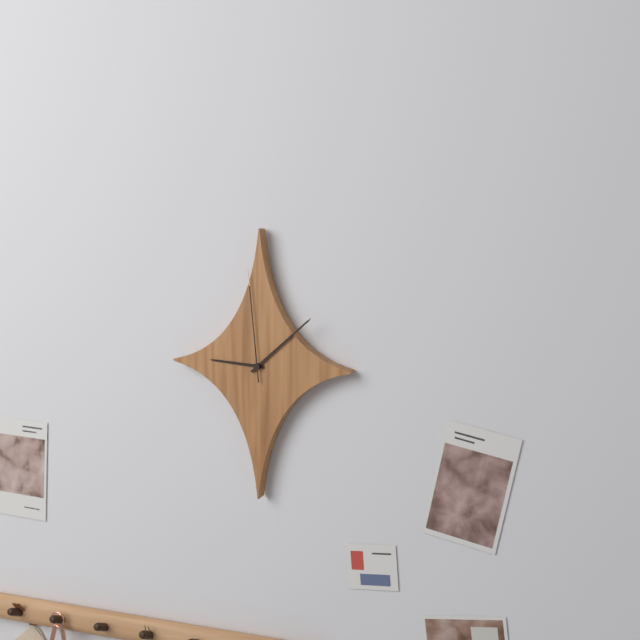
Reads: 9 h 08 min 59 s
